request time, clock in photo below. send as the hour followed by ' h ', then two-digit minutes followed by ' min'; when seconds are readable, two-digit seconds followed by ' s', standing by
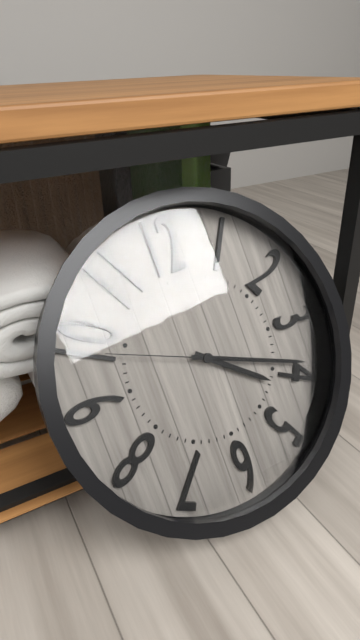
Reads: 4 h 19 min 49 s
